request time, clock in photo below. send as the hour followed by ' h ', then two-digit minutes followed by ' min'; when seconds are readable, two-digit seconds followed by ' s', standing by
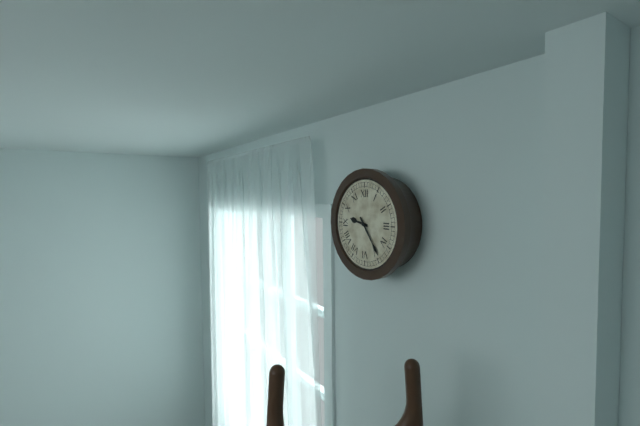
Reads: 9 h 24 min
